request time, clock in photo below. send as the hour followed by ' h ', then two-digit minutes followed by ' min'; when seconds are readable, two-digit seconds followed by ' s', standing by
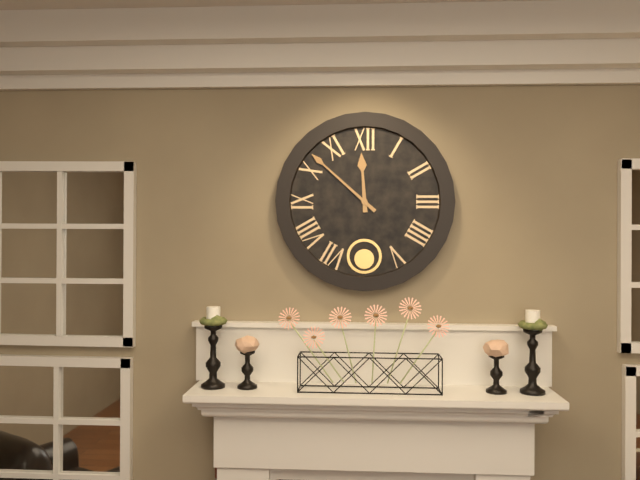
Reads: 11 h 52 min
